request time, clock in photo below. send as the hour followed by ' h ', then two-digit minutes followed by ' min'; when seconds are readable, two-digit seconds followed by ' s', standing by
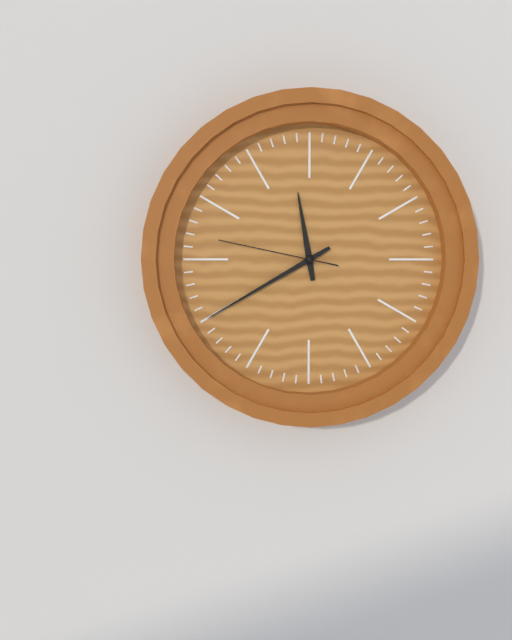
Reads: 11 h 40 min 47 s
